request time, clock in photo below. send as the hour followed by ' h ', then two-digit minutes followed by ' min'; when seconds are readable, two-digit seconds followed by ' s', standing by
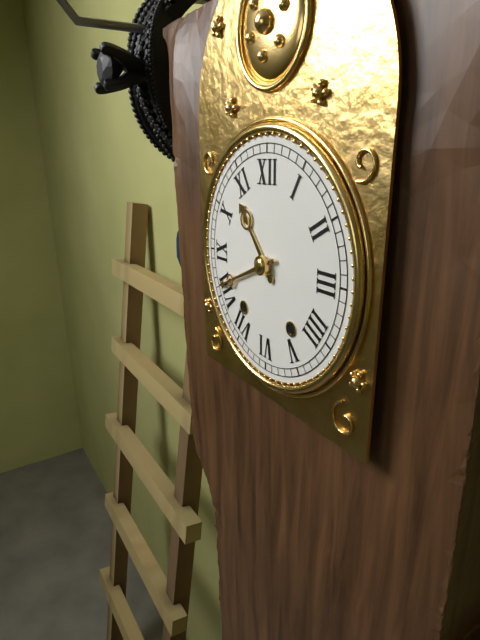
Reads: 10 h 41 min
